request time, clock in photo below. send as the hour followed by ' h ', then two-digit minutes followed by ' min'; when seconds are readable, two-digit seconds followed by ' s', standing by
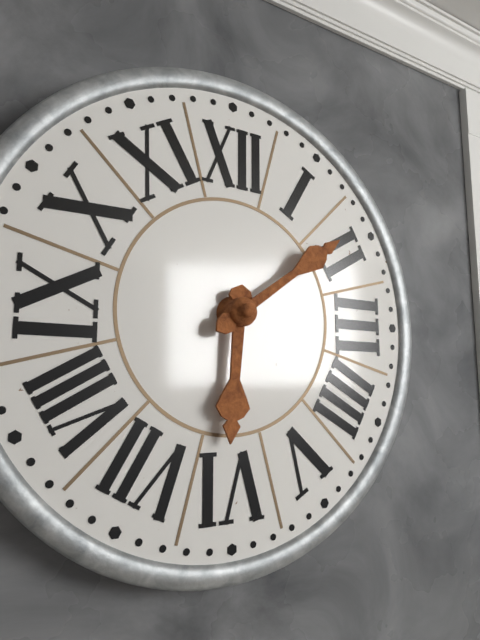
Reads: 6 h 09 min
